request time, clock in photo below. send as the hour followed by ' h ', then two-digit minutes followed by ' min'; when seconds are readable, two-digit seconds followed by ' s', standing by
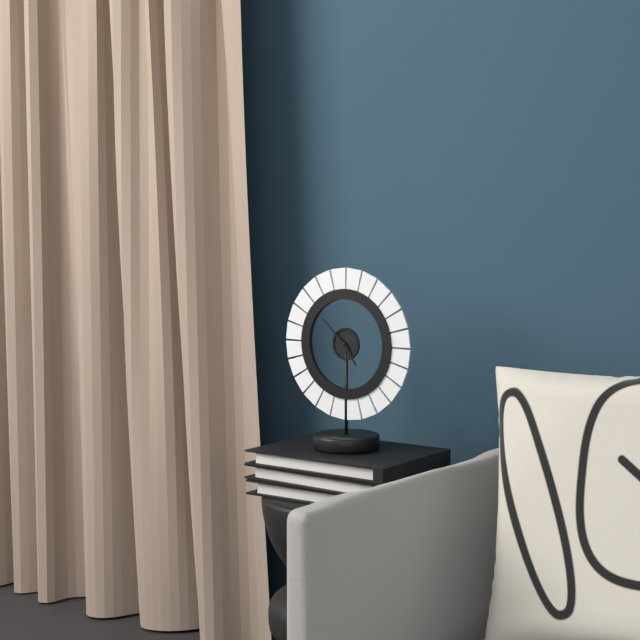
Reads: 4 h 52 min
